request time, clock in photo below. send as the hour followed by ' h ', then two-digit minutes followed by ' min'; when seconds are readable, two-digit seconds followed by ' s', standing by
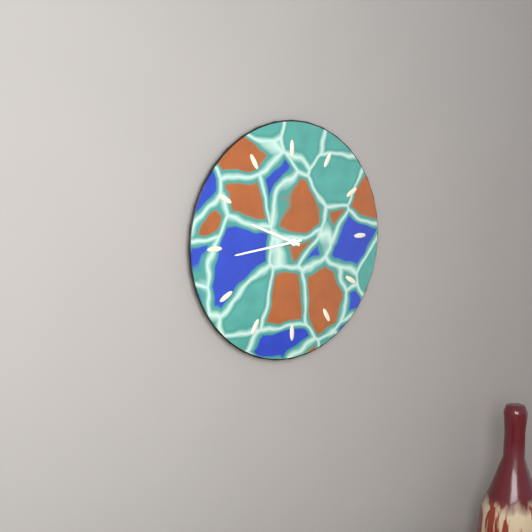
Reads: 9 h 44 min
